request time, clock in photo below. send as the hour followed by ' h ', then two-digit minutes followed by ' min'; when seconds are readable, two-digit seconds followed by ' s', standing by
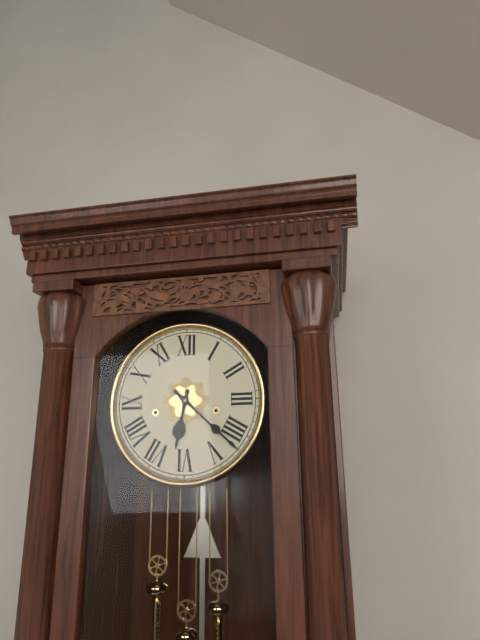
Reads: 6 h 22 min
